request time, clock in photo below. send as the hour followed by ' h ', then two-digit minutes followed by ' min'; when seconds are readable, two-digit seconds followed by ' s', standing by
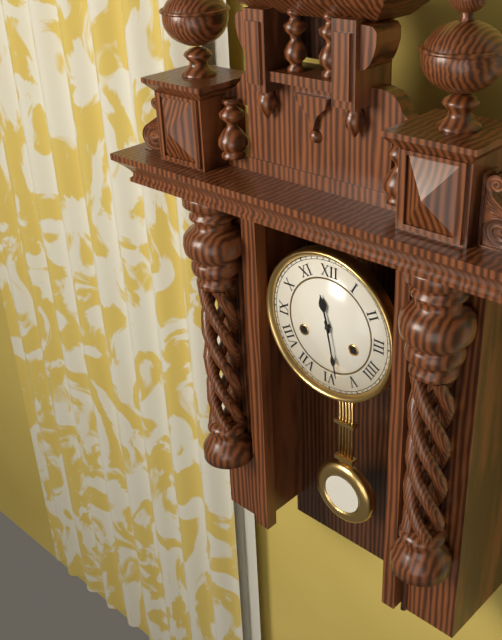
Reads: 11 h 28 min
